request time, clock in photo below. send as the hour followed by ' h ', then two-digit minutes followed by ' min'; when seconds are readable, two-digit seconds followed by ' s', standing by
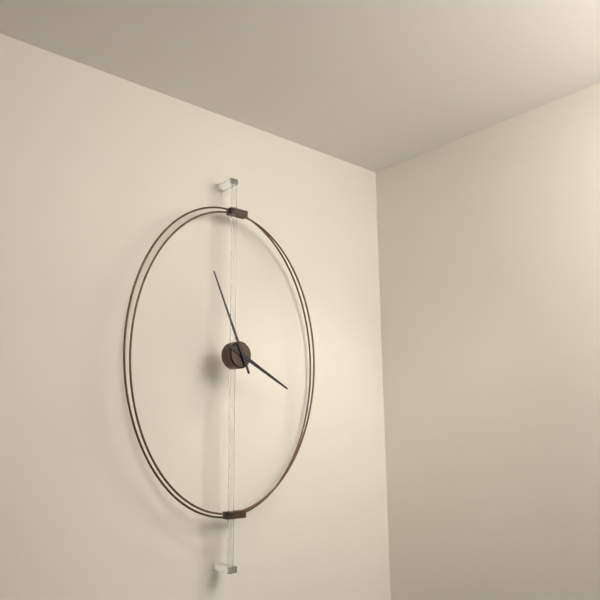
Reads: 3 h 56 min
